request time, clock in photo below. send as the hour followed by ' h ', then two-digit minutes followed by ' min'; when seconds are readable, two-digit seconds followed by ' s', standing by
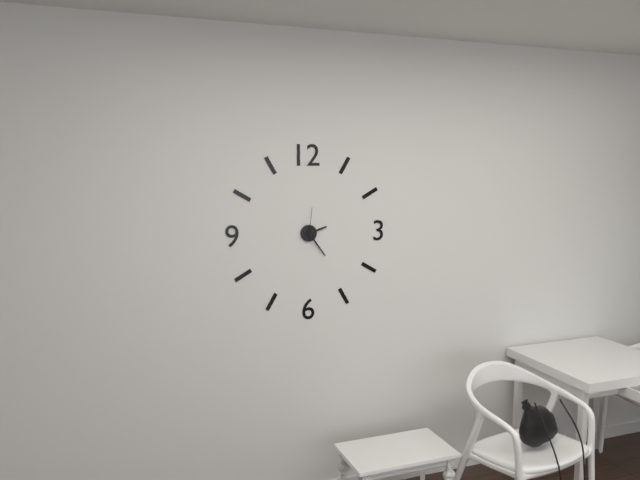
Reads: 2 h 24 min
